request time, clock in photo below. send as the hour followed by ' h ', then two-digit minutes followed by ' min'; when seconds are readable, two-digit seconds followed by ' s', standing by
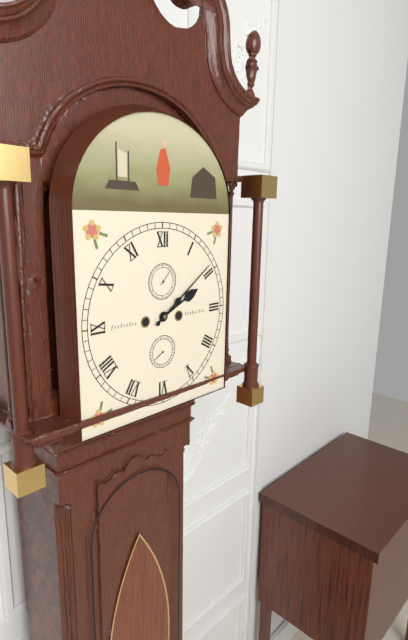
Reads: 2 h 09 min
